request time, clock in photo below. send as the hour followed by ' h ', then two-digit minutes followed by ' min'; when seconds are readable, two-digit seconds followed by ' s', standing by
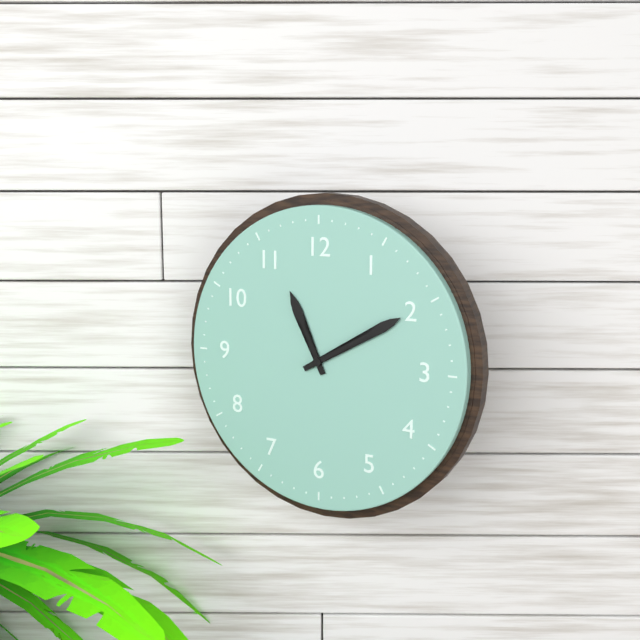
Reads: 11 h 10 min
